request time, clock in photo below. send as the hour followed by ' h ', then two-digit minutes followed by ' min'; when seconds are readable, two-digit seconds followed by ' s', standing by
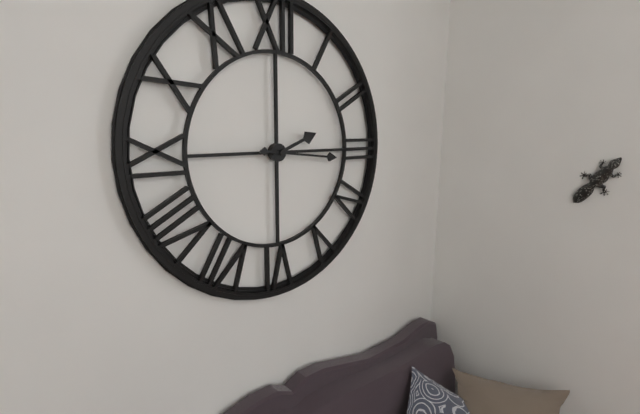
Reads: 2 h 16 min
